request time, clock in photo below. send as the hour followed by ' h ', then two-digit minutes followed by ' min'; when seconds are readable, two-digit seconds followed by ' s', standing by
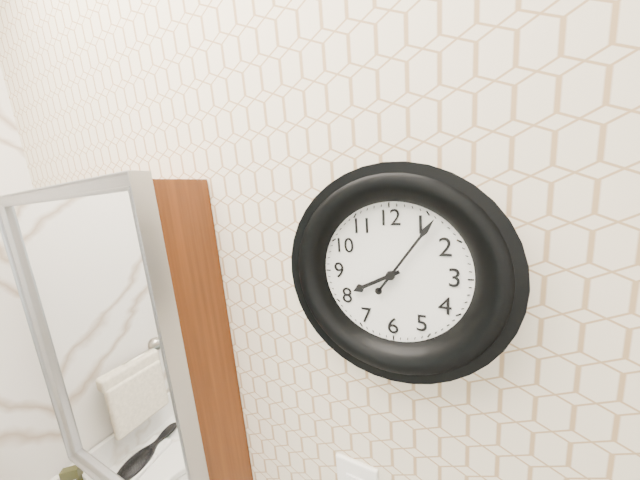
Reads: 8 h 06 min
